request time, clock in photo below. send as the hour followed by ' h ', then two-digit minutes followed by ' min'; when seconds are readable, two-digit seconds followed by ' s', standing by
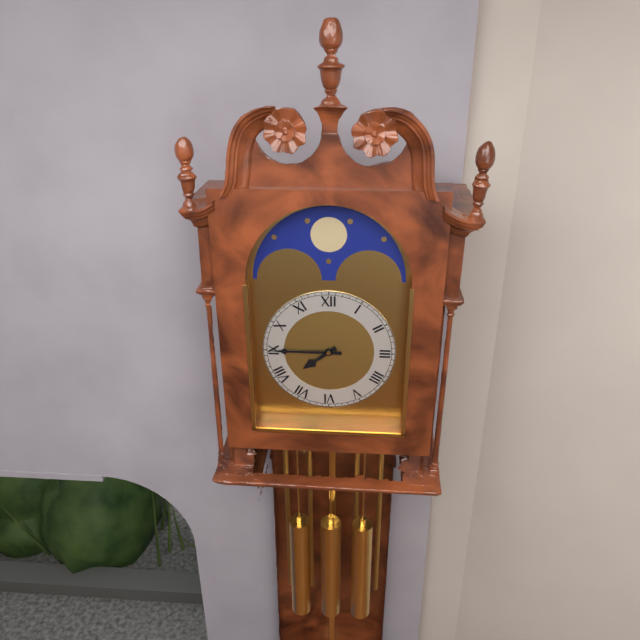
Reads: 7 h 45 min
